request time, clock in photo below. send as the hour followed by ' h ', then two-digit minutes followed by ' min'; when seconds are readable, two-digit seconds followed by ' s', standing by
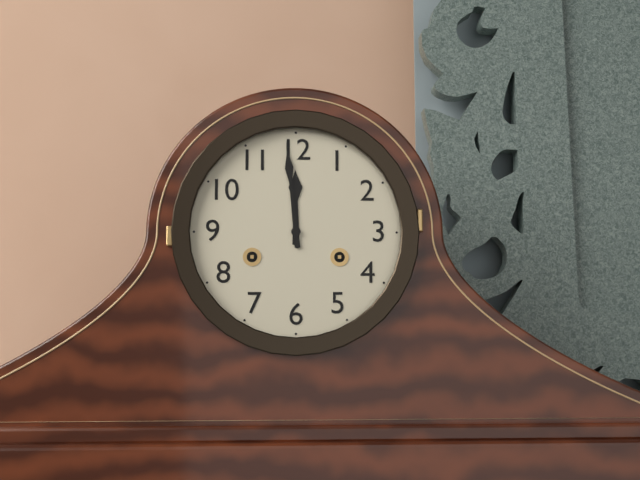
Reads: 11 h 59 min
